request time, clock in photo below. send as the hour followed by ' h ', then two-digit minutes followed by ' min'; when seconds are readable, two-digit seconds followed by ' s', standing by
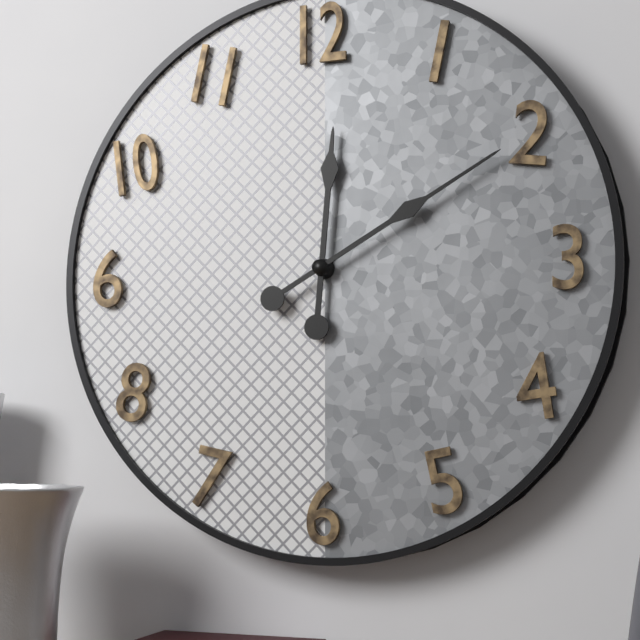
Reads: 12 h 10 min
